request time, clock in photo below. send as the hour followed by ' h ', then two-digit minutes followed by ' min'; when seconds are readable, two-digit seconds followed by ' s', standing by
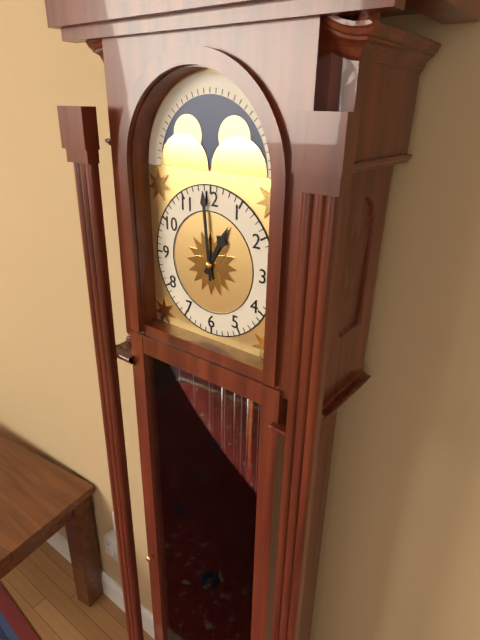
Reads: 12 h 59 min
